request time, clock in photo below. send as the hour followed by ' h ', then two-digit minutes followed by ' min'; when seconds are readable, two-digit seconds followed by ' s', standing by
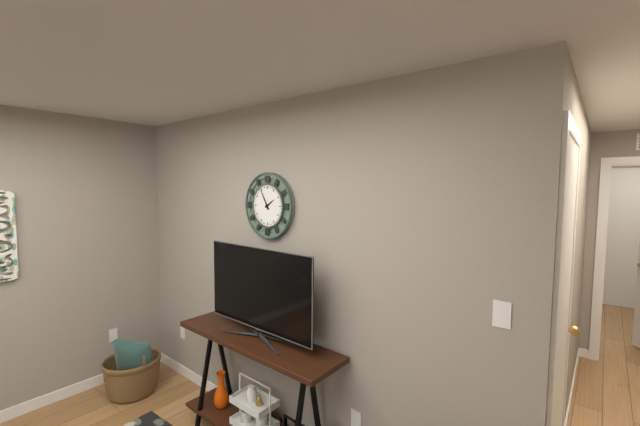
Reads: 1 h 55 min
